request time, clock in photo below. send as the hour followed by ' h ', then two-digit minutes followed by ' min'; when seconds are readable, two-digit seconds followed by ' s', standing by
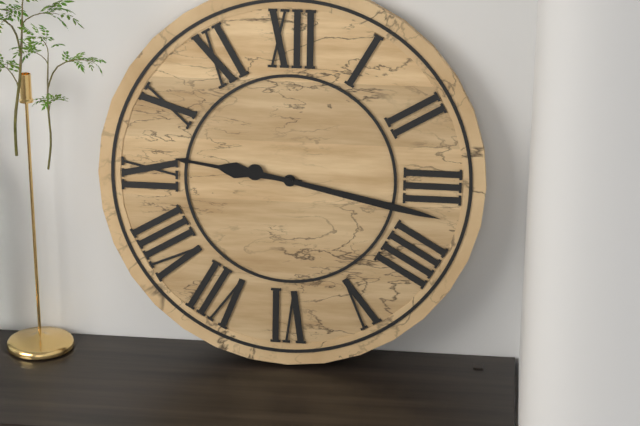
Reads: 9 h 17 min
